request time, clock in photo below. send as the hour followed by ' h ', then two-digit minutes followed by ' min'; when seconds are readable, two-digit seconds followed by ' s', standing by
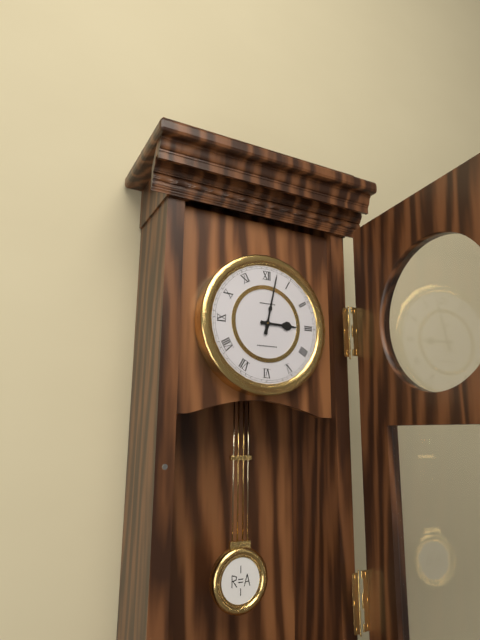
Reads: 3 h 02 min
